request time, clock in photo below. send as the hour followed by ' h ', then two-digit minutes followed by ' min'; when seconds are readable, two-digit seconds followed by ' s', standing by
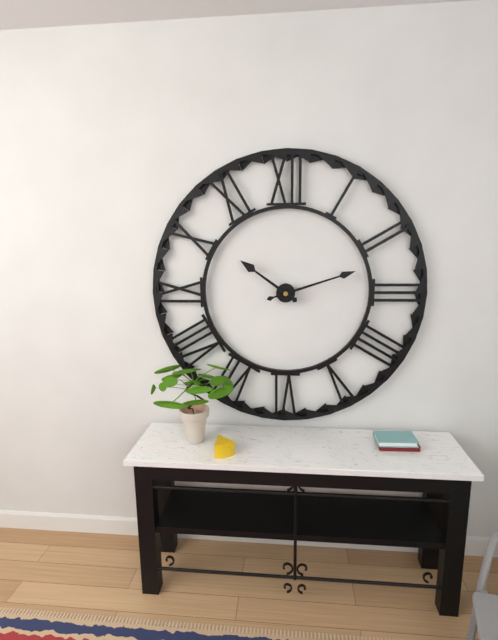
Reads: 10 h 12 min
